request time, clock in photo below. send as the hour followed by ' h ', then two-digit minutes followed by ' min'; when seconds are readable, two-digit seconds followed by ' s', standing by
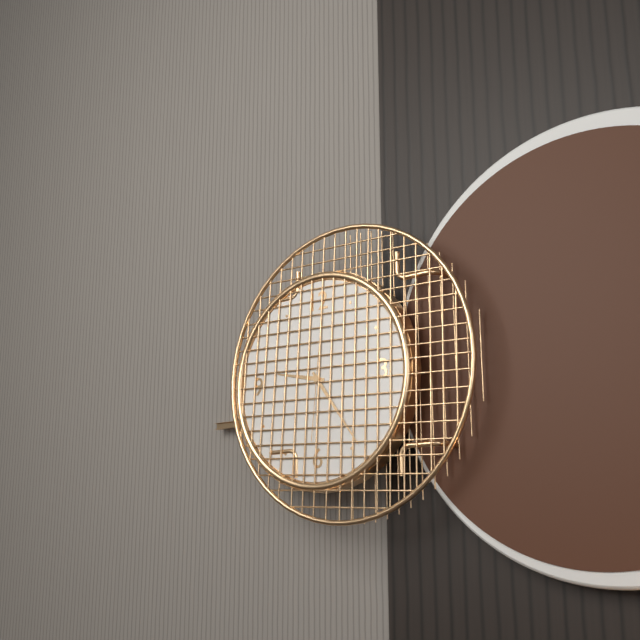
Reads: 9 h 24 min
